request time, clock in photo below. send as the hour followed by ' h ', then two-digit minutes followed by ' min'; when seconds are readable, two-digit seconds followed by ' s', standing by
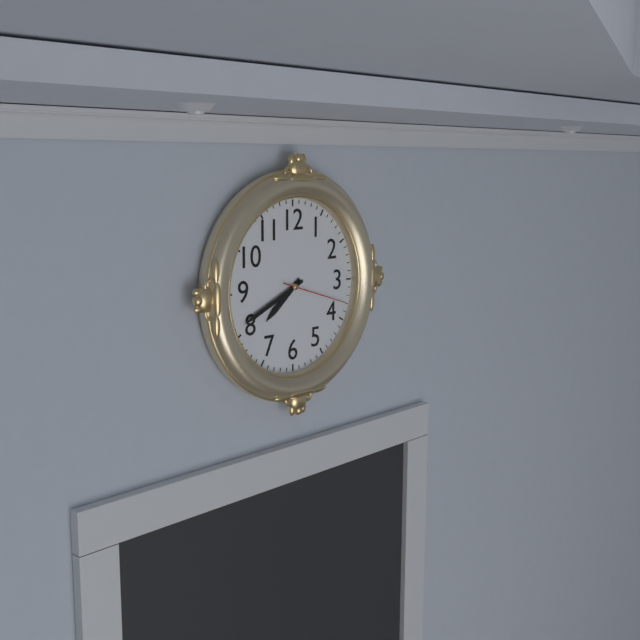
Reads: 7 h 41 min 18 s
